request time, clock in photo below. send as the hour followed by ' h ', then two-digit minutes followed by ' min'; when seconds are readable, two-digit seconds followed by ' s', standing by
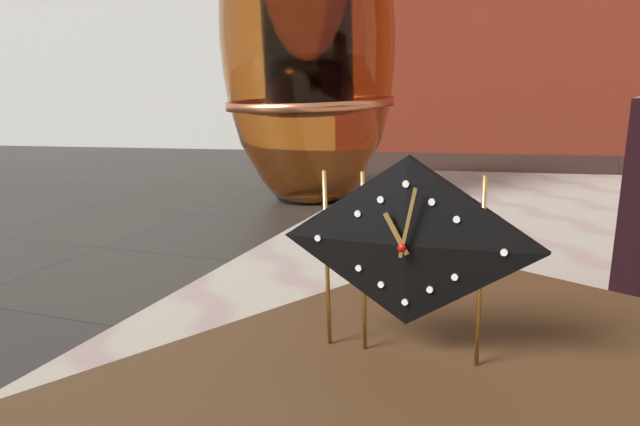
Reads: 11 h 02 min
